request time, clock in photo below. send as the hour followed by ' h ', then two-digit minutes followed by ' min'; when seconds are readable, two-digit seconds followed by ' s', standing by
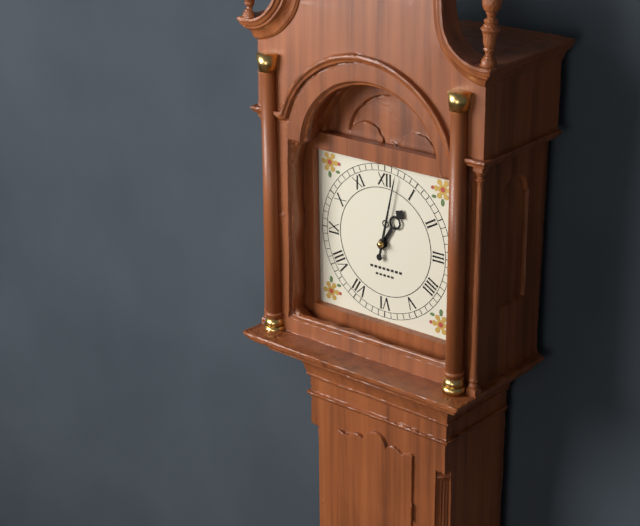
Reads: 1 h 02 min
